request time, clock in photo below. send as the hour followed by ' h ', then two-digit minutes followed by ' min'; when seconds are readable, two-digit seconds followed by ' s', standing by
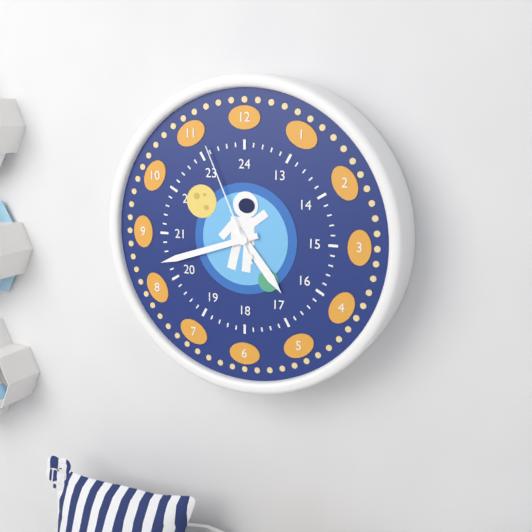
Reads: 4 h 42 min 56 s
